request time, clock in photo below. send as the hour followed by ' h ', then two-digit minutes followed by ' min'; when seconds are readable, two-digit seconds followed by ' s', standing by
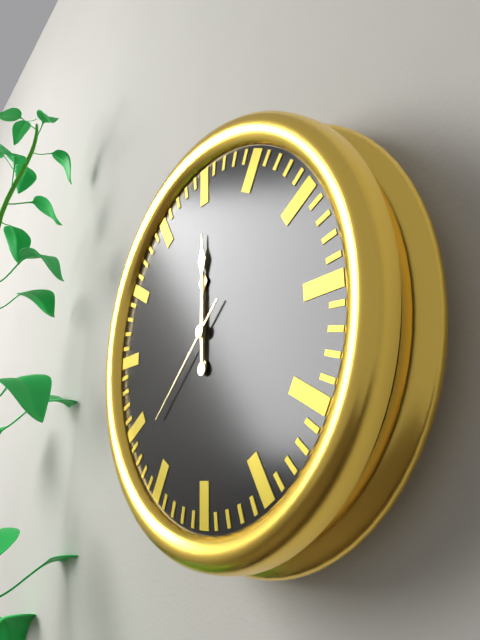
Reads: 12 h 00 min 38 s
